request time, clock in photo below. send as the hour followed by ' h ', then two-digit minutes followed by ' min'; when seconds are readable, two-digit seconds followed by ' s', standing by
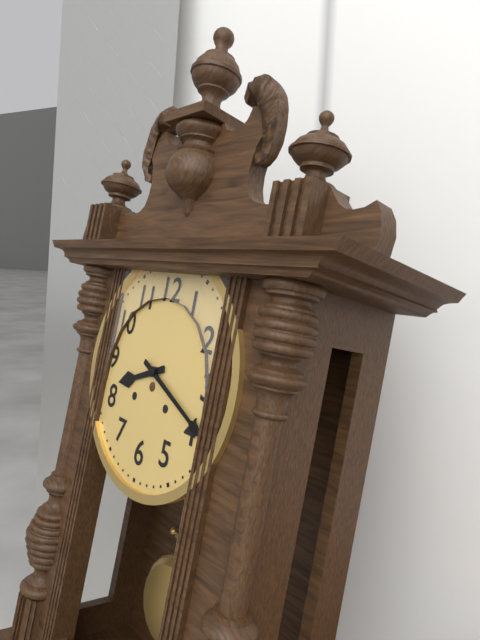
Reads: 8 h 19 min
